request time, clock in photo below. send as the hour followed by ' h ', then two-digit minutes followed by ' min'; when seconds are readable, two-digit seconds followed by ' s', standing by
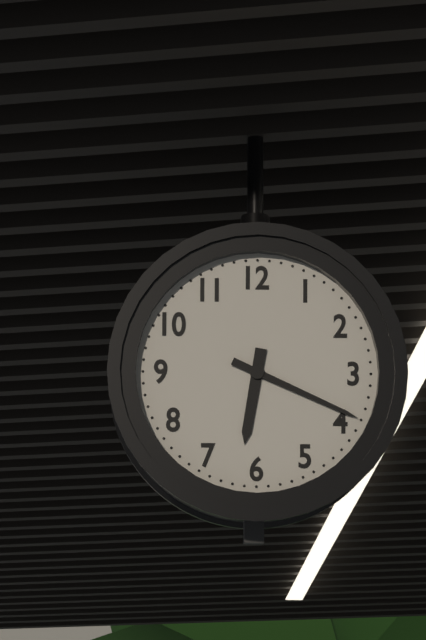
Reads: 6 h 19 min
